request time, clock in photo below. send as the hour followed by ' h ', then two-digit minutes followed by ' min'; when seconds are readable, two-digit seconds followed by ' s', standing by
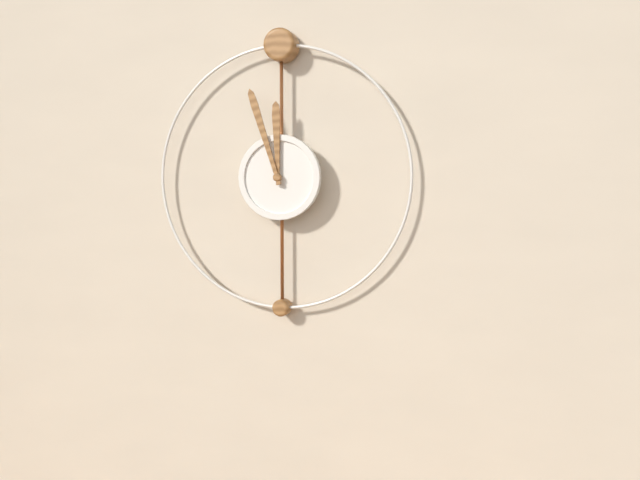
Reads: 11 h 57 min
